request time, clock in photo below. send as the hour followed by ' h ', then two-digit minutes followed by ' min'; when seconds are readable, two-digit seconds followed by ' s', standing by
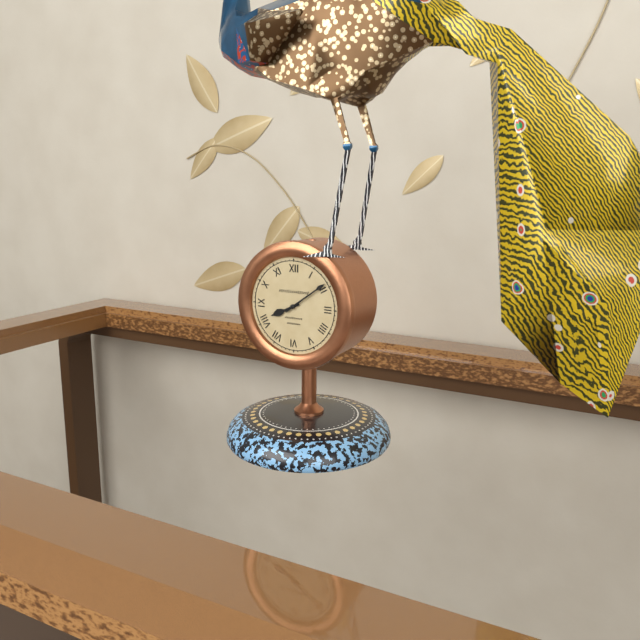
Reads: 8 h 09 min
